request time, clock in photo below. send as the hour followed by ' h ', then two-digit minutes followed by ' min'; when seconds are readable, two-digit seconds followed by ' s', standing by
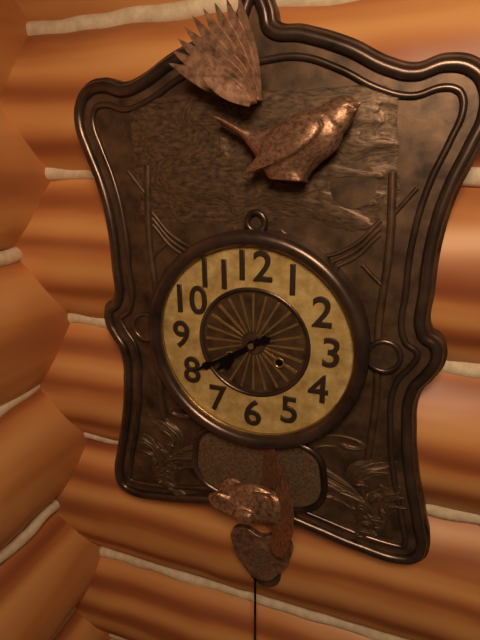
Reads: 7 h 40 min
